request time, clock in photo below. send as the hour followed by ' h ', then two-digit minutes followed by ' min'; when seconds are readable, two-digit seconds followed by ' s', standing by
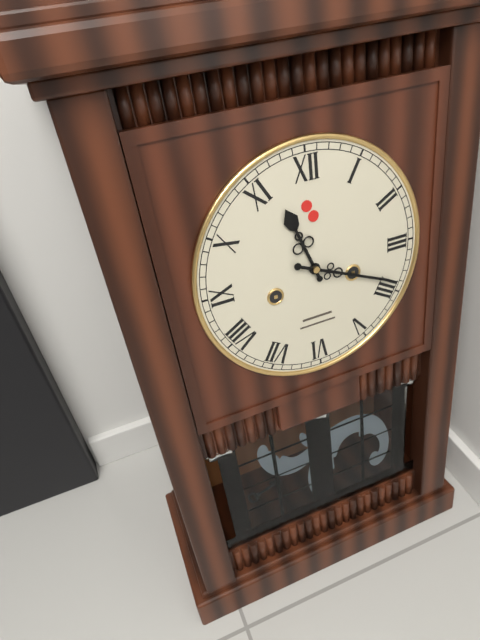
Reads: 11 h 19 min
